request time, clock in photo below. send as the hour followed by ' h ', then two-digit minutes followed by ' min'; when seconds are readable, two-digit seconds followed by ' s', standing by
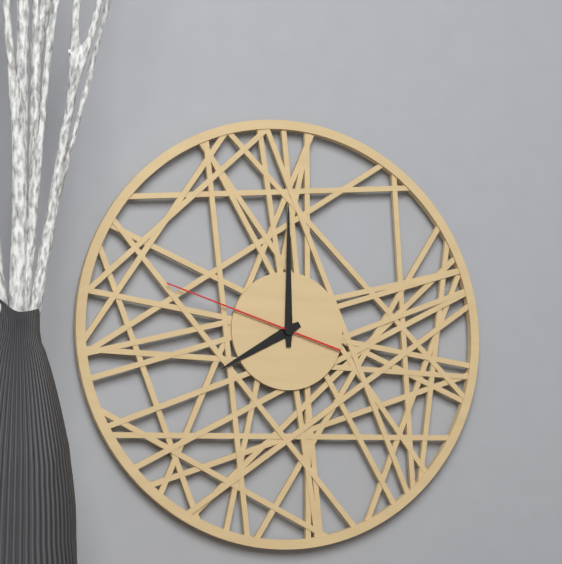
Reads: 8 h 00 min 48 s
